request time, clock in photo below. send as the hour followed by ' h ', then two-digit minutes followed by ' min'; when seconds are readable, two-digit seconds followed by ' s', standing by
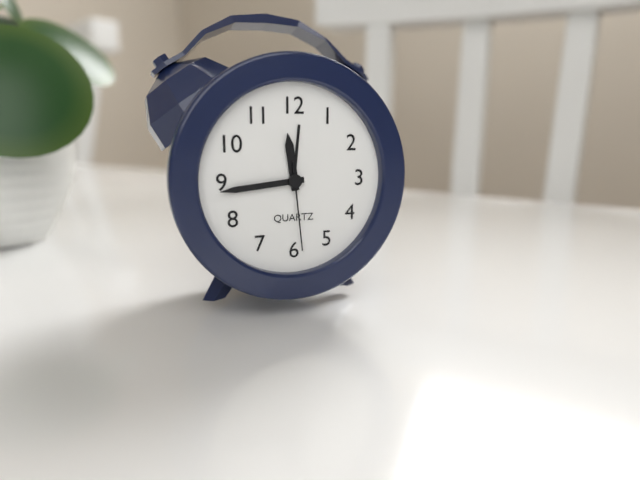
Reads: 11 h 44 min 29 s
